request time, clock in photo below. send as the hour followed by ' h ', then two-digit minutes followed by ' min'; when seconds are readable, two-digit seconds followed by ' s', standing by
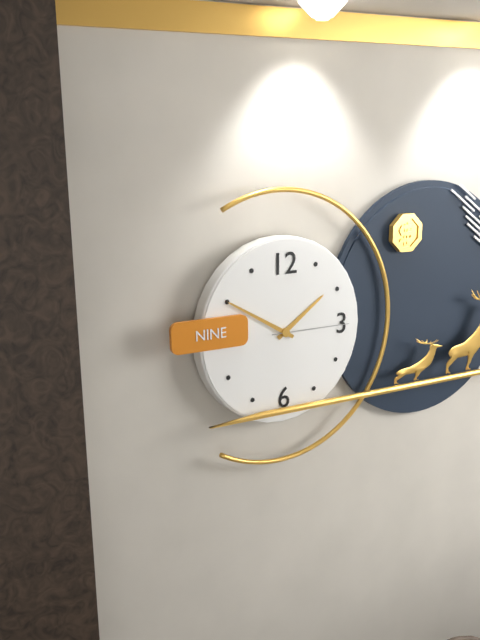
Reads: 1 h 50 min 15 s
